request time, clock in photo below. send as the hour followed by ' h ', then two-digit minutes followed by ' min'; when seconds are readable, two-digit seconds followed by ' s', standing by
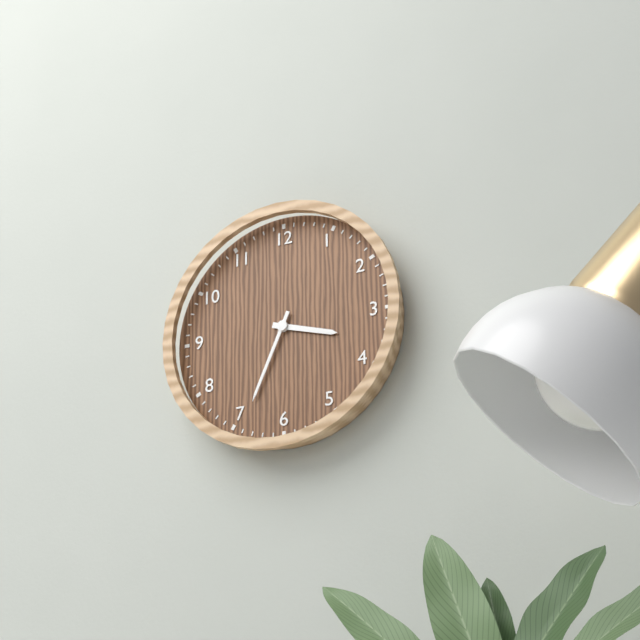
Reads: 3 h 34 min
